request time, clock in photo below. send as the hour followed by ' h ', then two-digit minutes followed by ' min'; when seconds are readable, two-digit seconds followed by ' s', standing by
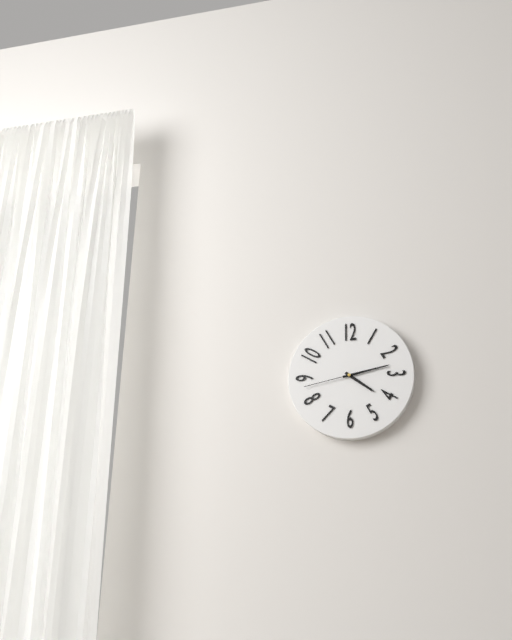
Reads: 4 h 13 min 43 s
